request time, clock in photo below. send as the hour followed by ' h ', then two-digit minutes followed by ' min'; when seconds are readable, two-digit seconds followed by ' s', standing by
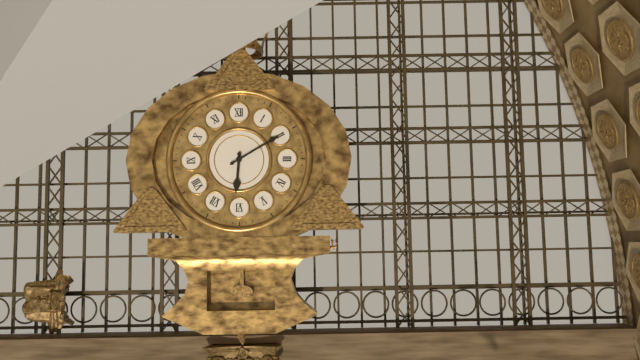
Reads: 6 h 10 min
